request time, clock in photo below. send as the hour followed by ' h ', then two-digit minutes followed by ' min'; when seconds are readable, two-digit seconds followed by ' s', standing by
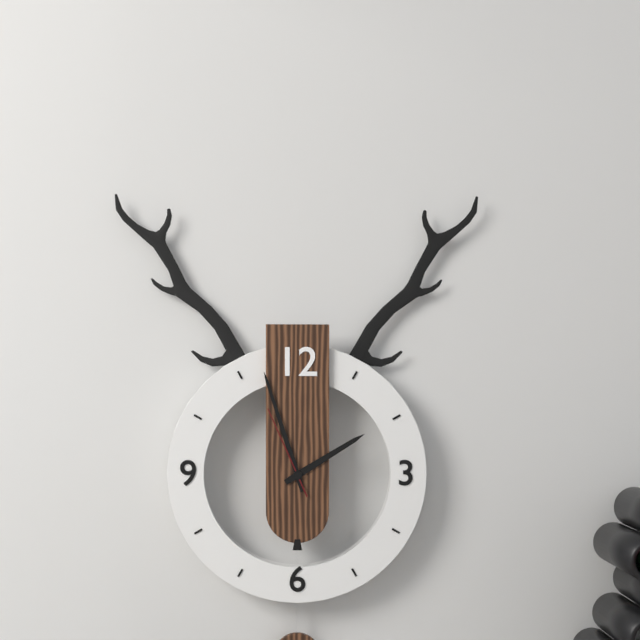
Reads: 1 h 57 min 56 s
